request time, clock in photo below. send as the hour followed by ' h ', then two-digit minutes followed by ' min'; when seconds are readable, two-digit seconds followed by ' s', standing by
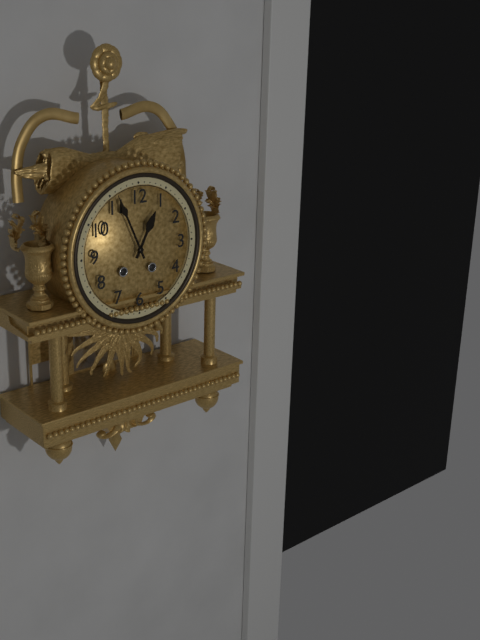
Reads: 12 h 56 min
